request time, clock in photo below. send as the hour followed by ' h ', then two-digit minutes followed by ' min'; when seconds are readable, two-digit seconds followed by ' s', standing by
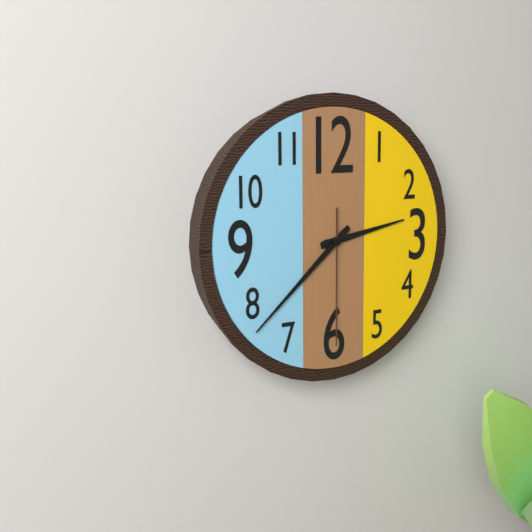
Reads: 2 h 38 min 30 s
